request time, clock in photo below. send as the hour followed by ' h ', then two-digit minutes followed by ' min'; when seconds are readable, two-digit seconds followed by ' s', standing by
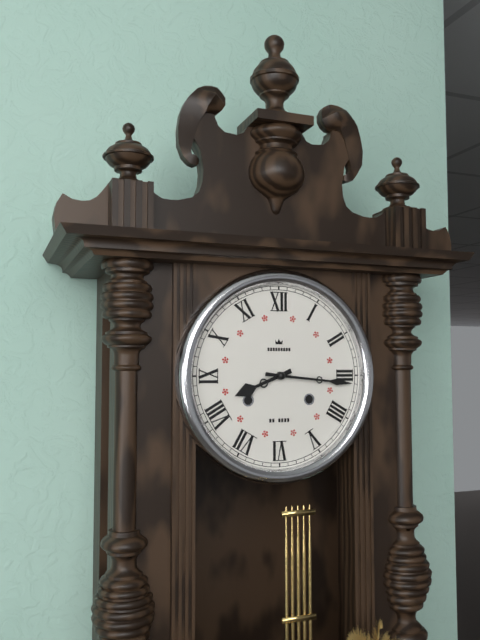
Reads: 8 h 16 min
